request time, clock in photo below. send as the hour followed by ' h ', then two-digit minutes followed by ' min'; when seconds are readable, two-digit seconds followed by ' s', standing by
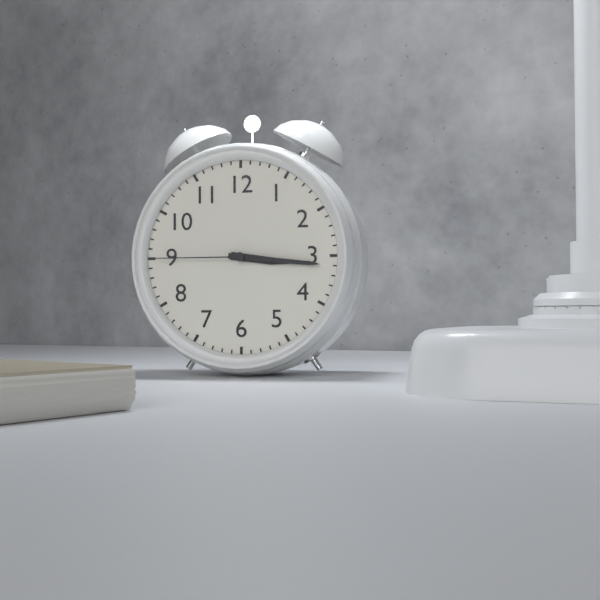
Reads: 3 h 16 min 45 s
